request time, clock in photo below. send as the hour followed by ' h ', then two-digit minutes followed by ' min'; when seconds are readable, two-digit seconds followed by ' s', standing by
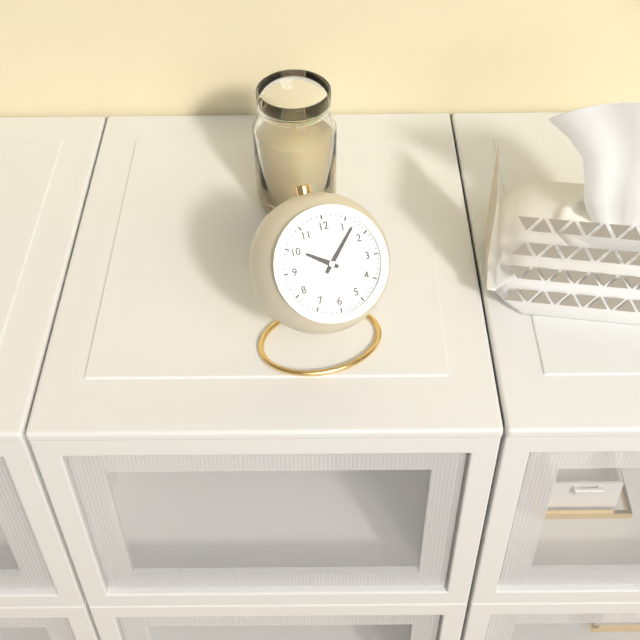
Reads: 10 h 07 min
